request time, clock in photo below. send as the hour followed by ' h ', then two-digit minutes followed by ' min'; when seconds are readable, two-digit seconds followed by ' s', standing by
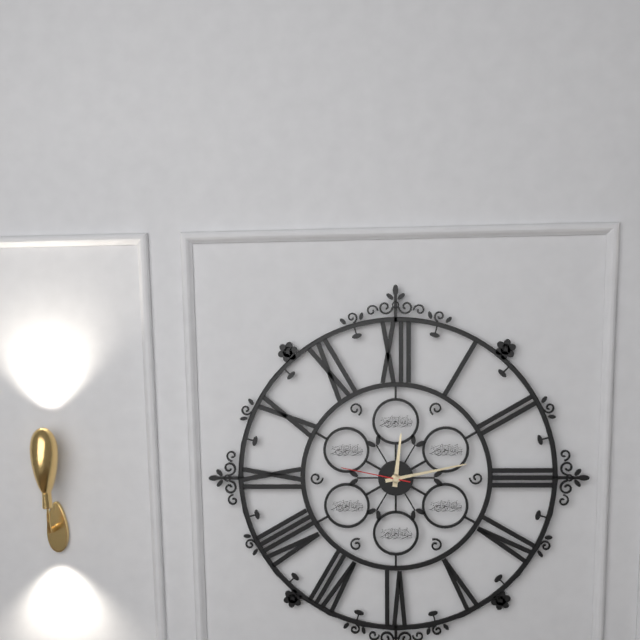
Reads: 12 h 13 min 47 s
